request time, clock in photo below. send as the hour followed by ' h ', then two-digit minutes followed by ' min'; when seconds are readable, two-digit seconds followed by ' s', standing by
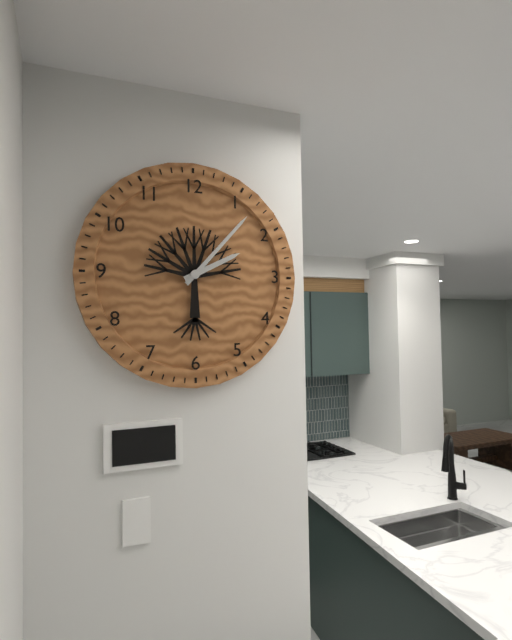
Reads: 2 h 07 min
